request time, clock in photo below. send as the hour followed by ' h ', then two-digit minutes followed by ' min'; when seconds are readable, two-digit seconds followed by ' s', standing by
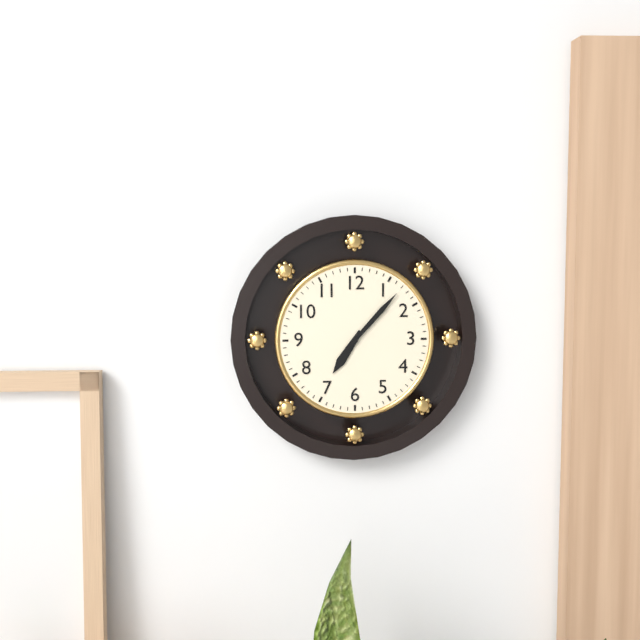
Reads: 7 h 07 min
